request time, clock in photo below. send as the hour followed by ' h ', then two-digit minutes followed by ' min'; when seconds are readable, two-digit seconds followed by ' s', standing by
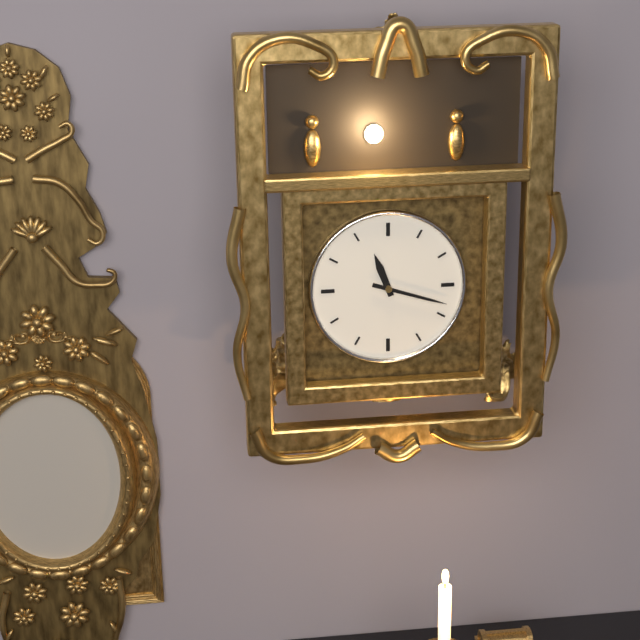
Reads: 11 h 18 min
